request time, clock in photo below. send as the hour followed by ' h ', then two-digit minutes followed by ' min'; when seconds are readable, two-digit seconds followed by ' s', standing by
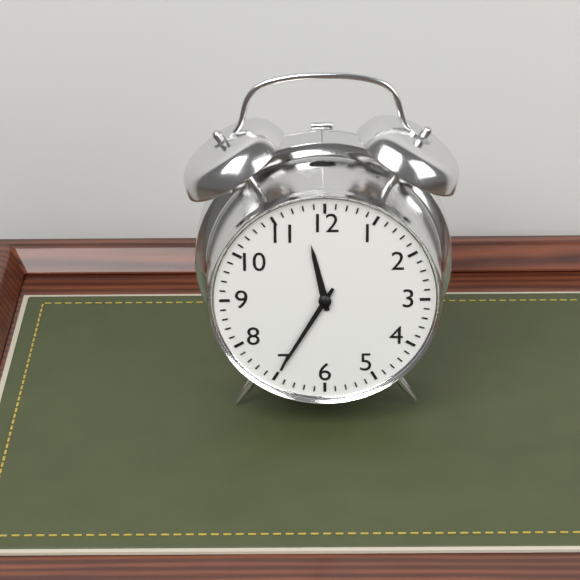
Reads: 11 h 35 min
